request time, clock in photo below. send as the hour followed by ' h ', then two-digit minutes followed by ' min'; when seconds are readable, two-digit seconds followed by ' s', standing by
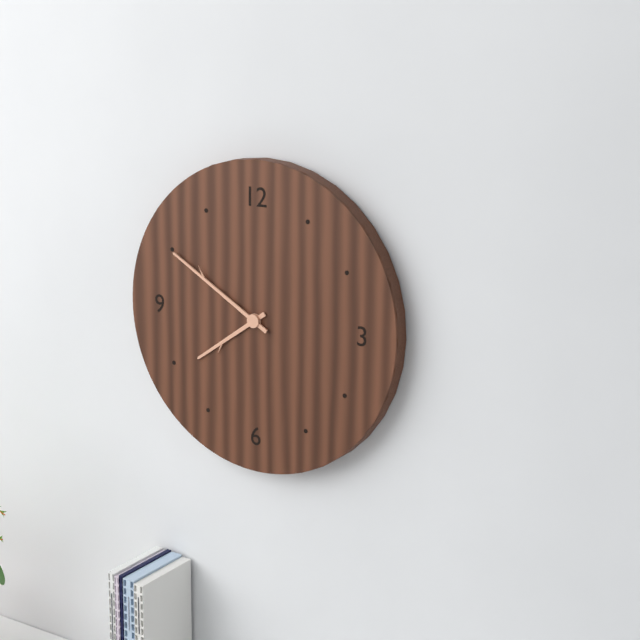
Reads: 7 h 50 min
